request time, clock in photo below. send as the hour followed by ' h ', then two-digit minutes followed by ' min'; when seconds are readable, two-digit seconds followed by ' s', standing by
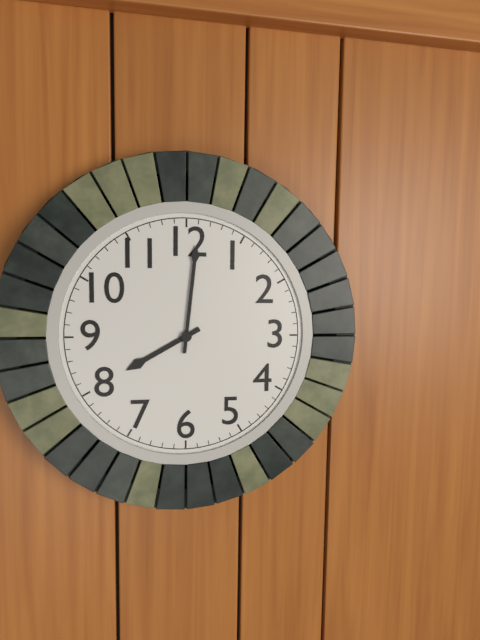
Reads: 8 h 01 min
